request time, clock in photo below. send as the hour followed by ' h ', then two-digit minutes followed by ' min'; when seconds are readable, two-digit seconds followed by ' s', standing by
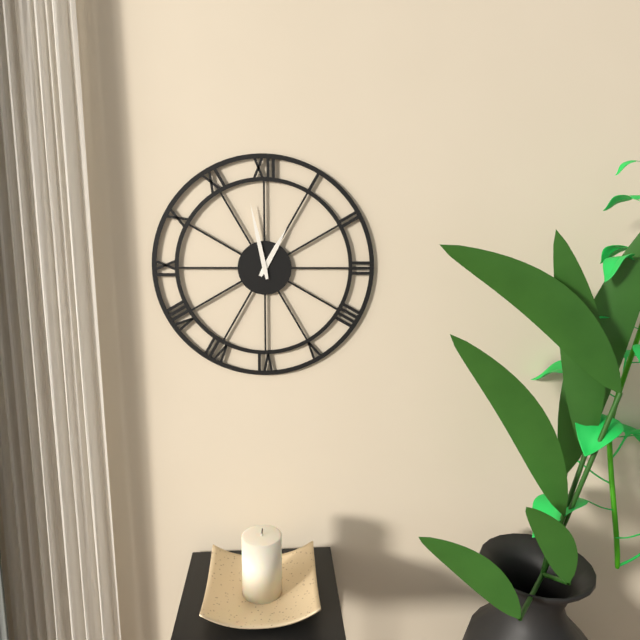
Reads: 12 h 58 min
